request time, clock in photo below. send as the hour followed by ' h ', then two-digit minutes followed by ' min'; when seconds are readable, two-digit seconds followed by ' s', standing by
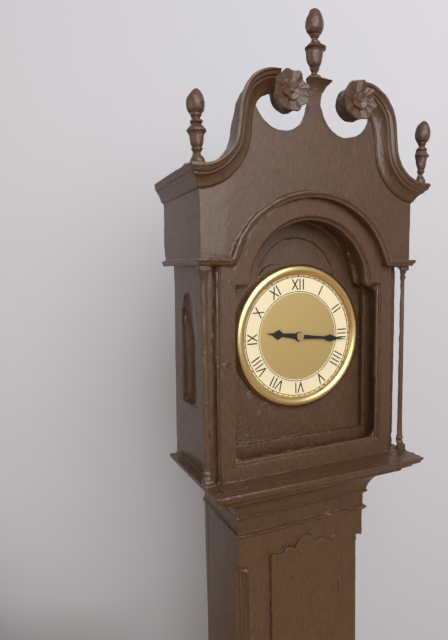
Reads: 9 h 16 min
